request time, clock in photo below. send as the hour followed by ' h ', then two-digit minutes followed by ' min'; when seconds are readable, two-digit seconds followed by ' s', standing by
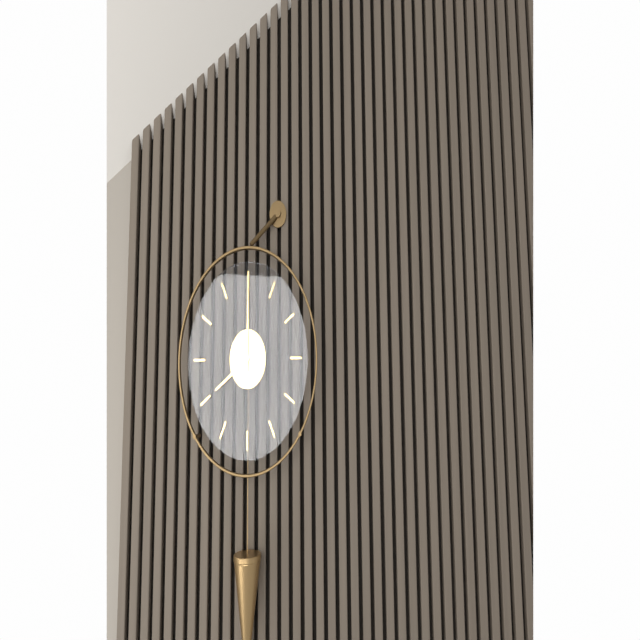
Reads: 8 h 00 min
